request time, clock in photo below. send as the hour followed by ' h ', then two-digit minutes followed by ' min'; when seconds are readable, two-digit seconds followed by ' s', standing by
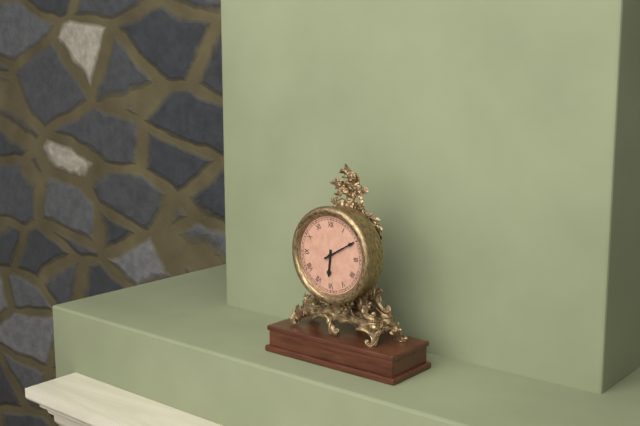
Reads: 6 h 10 min
